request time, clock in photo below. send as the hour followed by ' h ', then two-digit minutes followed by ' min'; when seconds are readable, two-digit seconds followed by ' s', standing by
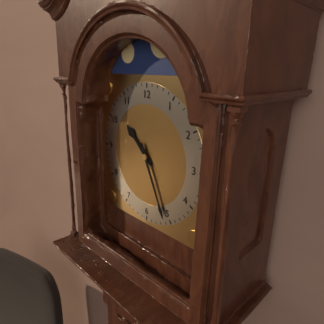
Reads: 10 h 26 min
